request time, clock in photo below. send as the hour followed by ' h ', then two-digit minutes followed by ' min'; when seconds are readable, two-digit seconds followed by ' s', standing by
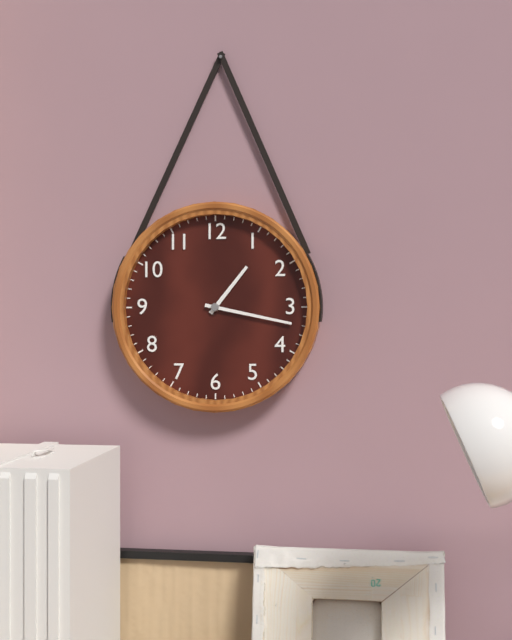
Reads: 1 h 17 min
